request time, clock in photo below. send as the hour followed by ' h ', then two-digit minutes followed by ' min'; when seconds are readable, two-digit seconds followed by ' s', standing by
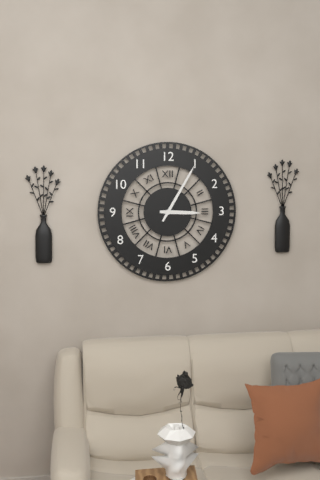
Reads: 3 h 05 min
